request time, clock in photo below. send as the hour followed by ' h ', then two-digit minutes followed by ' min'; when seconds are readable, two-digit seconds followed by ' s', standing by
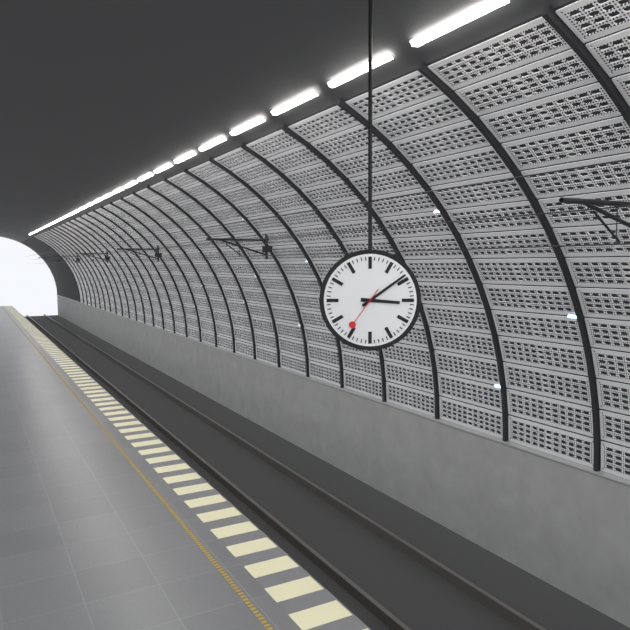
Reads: 3 h 09 min
